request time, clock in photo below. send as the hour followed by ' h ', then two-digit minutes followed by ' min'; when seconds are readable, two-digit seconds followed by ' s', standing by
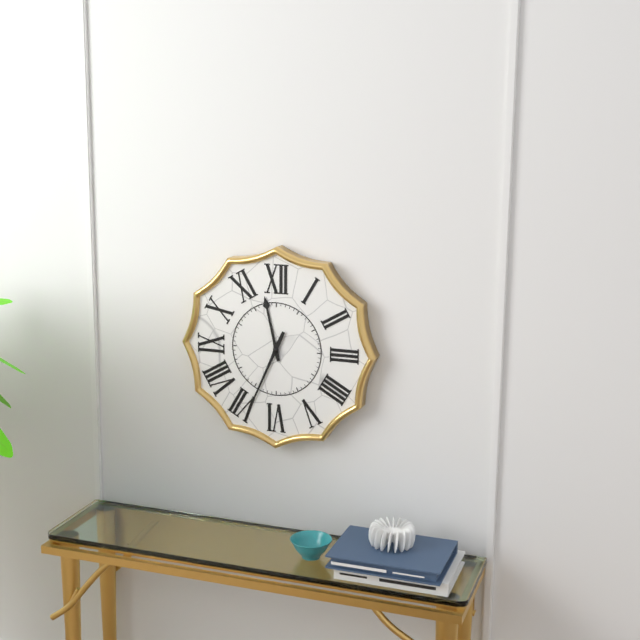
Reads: 11 h 34 min
